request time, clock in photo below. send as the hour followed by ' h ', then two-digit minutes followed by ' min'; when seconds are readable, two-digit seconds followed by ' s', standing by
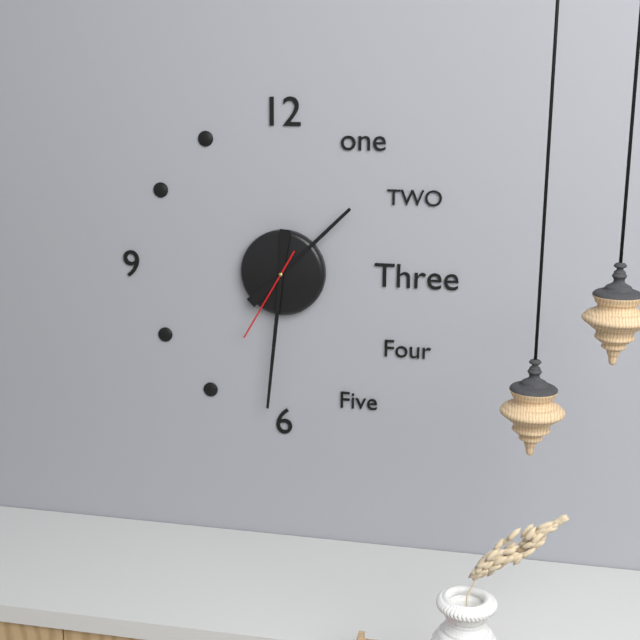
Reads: 1 h 31 min 35 s
